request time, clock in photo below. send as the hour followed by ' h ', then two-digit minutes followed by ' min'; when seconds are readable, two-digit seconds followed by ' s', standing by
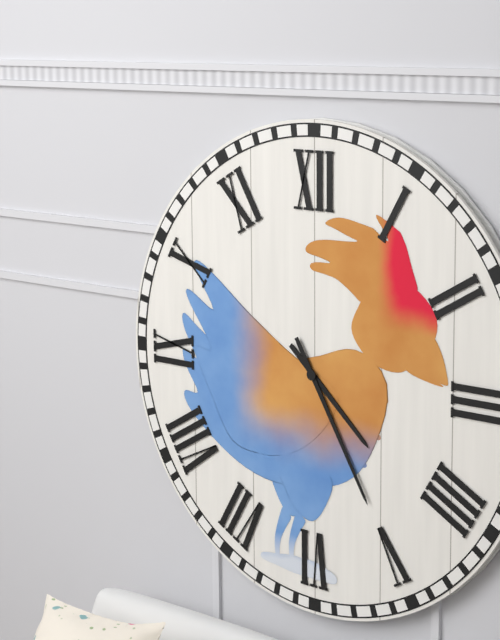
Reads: 4 h 25 min
